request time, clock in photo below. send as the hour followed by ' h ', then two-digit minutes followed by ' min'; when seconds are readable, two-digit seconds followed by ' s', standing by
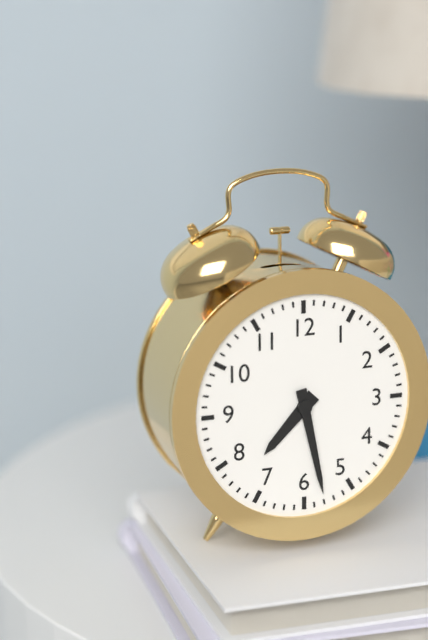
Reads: 7 h 28 min
